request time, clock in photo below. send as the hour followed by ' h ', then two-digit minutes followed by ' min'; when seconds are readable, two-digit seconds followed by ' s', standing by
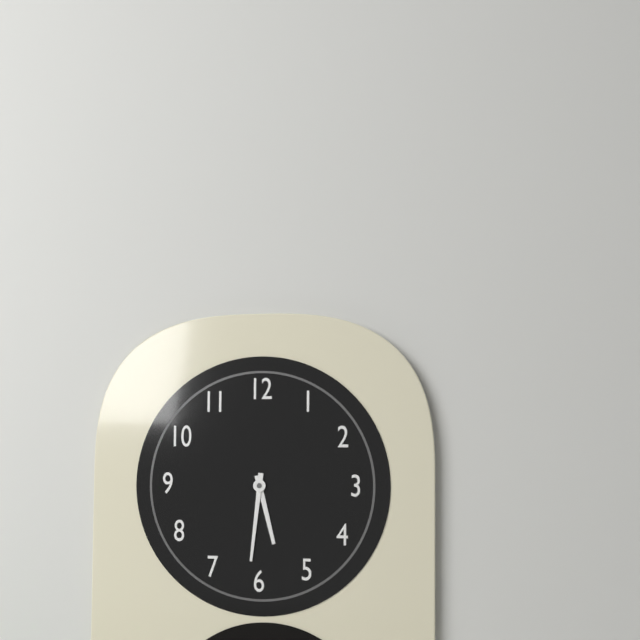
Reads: 5 h 31 min
